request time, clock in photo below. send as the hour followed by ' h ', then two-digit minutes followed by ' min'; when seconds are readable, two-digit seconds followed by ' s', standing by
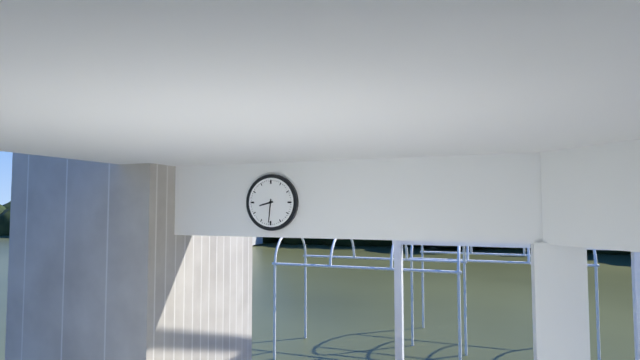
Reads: 8 h 31 min
